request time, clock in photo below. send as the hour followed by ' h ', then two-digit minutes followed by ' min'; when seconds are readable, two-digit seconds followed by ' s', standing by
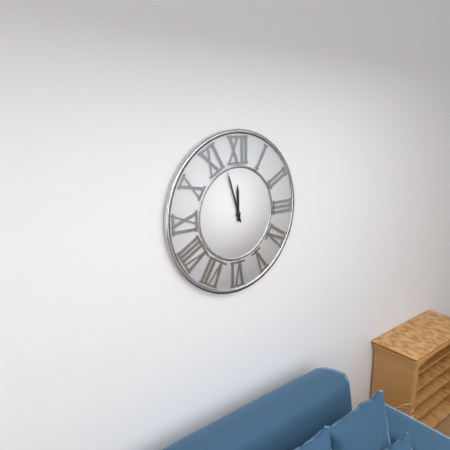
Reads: 11 h 57 min
